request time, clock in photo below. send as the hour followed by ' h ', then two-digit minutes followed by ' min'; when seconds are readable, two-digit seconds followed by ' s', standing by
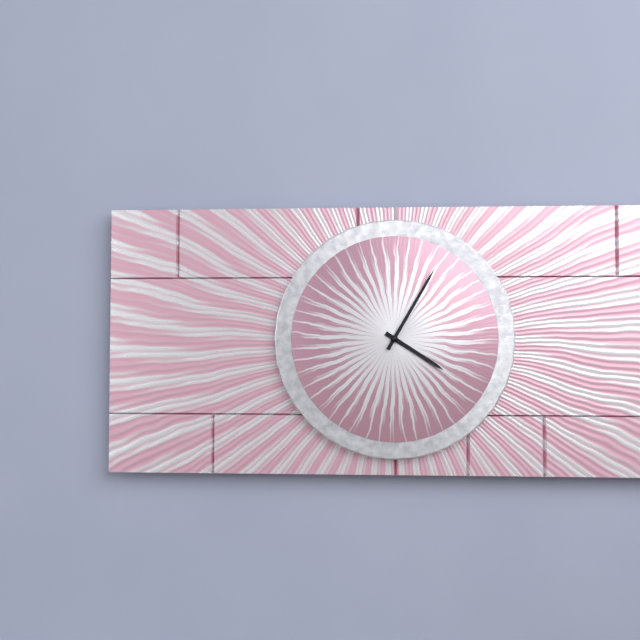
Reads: 4 h 05 min
